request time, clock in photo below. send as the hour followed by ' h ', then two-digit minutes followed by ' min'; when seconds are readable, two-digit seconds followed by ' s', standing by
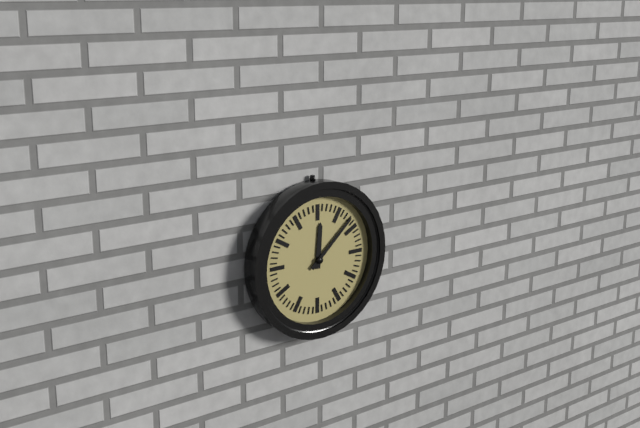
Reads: 12 h 08 min
